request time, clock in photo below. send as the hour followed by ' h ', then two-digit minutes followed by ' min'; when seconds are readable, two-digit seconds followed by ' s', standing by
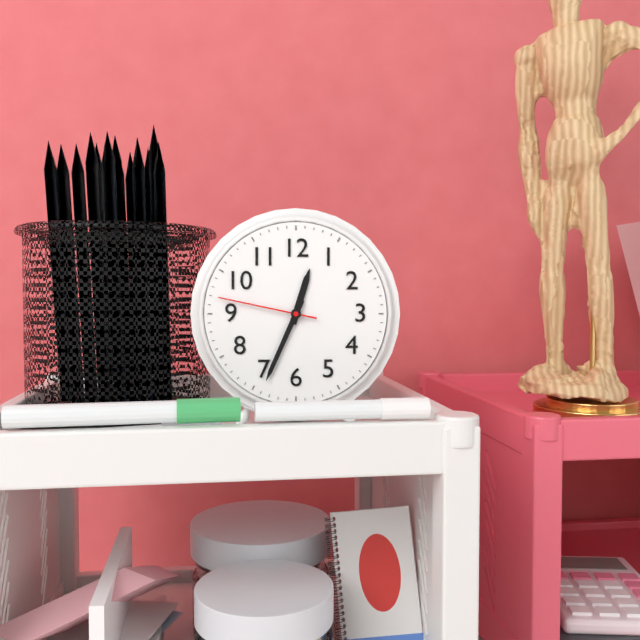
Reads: 12 h 34 min 47 s
